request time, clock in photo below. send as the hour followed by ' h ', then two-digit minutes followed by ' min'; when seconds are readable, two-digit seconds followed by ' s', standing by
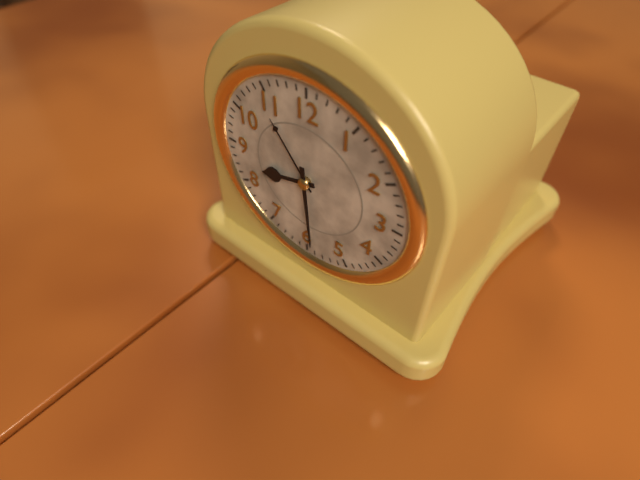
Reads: 8 h 29 min
